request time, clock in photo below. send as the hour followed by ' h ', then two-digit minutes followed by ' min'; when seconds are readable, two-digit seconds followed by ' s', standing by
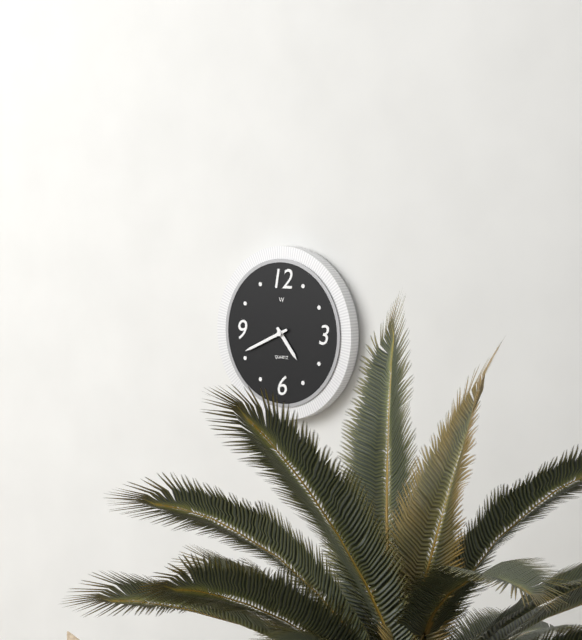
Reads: 4 h 41 min
